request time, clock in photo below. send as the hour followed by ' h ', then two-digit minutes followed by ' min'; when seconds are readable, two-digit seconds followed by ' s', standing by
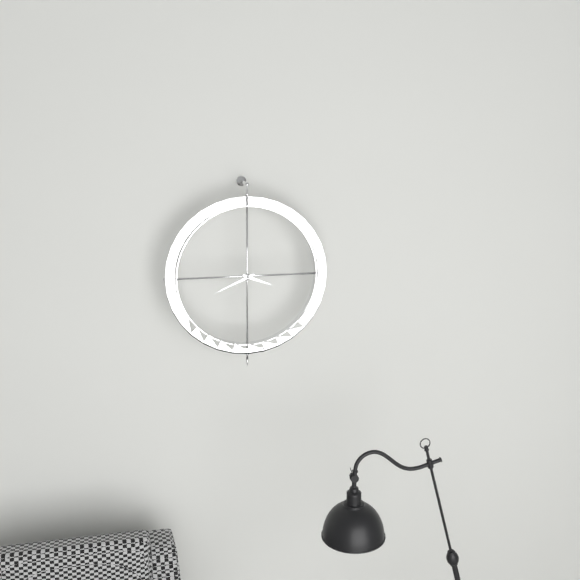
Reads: 3 h 41 min
